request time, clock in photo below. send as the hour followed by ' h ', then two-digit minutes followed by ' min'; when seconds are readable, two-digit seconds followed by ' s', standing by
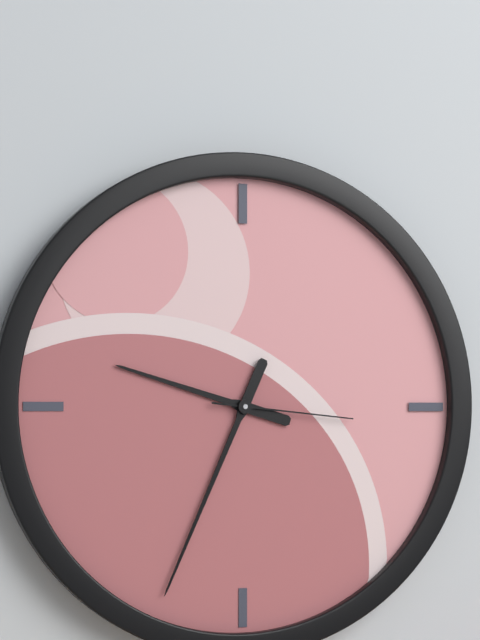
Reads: 9 h 34 min 16 s
